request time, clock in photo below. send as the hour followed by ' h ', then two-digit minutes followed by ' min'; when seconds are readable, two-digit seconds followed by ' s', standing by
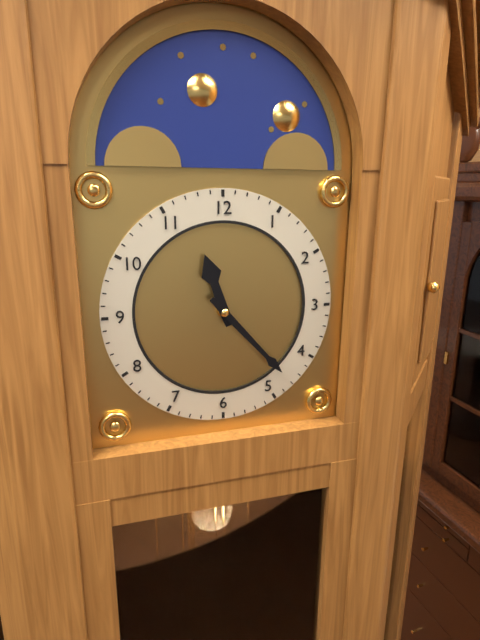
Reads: 11 h 23 min
